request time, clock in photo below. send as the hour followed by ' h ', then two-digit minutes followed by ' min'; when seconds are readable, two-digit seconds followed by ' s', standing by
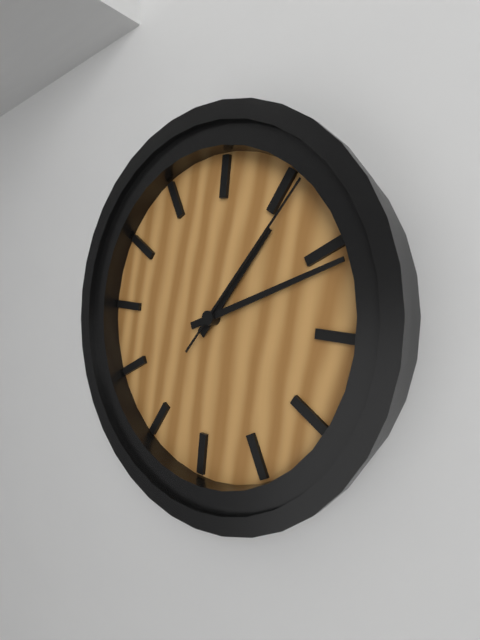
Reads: 1 h 11 min 06 s
